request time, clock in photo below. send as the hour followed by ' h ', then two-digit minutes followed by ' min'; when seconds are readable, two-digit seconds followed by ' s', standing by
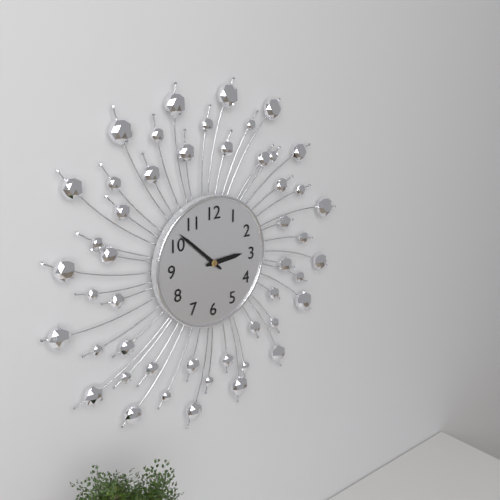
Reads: 2 h 52 min
